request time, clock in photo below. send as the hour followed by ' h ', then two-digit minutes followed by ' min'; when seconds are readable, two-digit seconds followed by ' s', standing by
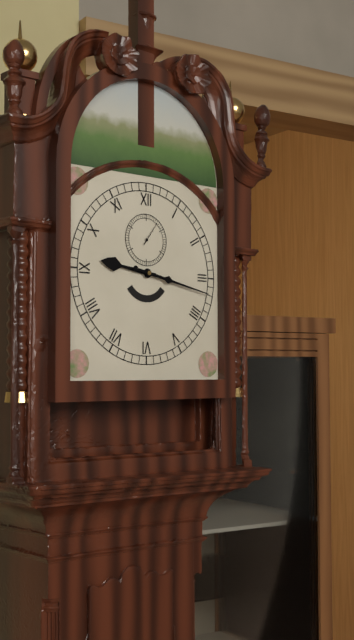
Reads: 9 h 17 min
